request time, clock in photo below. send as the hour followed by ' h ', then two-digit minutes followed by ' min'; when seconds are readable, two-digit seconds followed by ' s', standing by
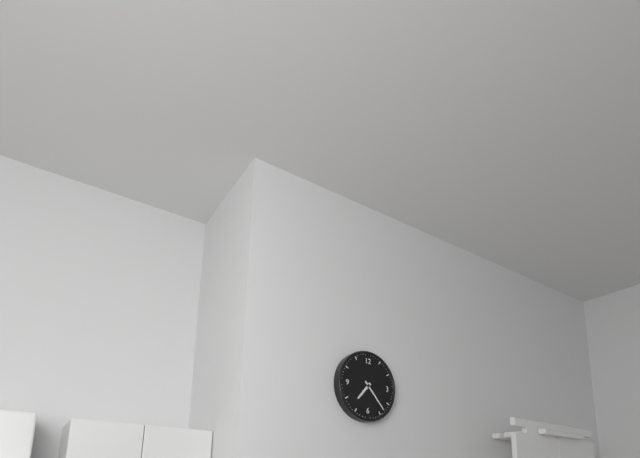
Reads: 7 h 23 min
